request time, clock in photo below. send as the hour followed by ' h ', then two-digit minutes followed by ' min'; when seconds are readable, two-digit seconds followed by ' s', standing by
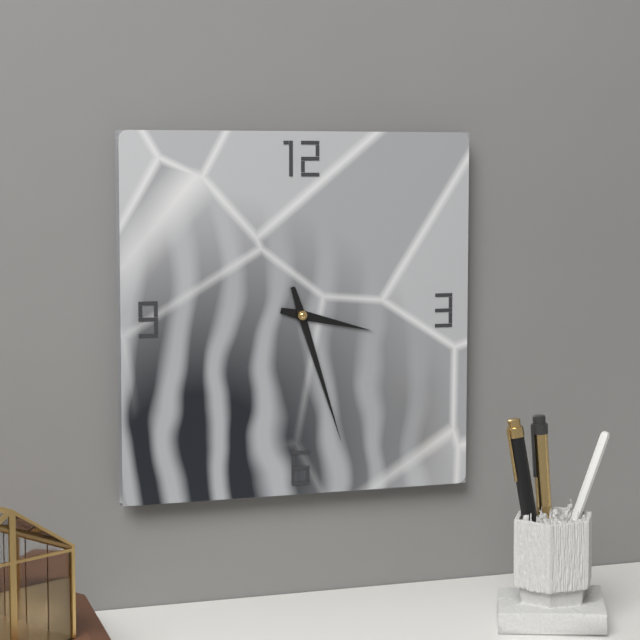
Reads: 3 h 27 min
